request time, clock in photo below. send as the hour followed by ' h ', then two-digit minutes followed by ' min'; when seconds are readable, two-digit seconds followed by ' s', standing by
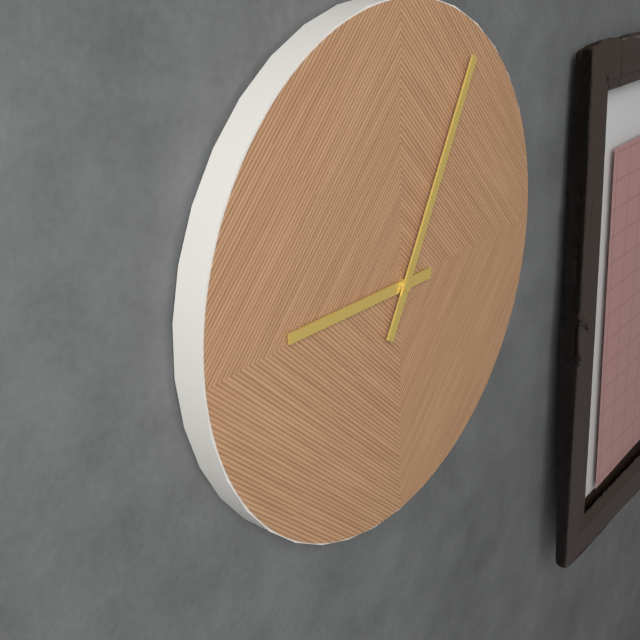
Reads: 9 h 05 min
